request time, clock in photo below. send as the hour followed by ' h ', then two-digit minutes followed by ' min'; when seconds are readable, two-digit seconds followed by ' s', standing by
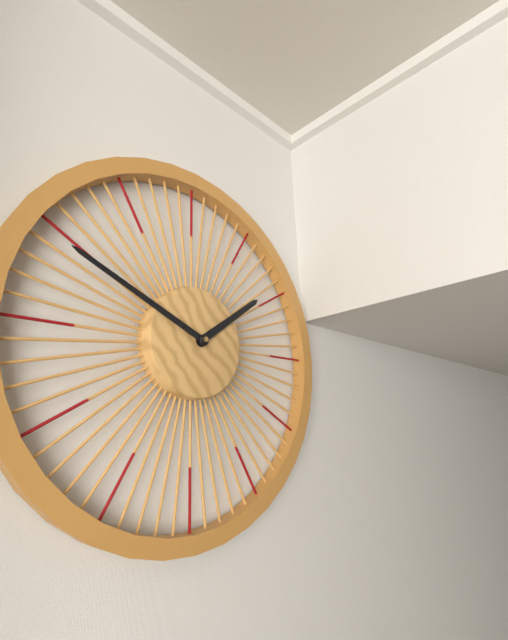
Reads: 1 h 49 min
